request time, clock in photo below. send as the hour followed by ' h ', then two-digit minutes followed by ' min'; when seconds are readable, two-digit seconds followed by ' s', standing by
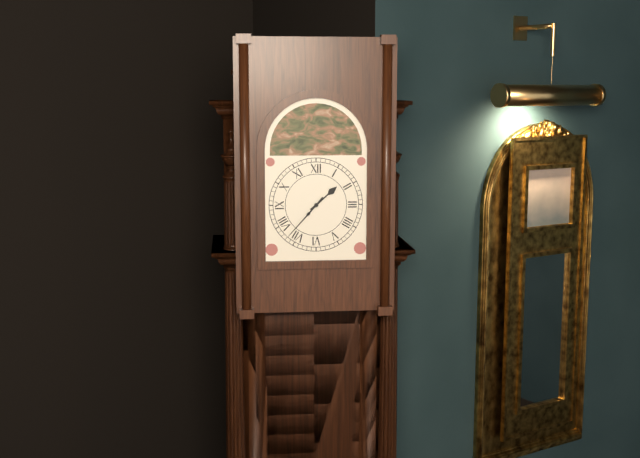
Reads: 1 h 37 min
